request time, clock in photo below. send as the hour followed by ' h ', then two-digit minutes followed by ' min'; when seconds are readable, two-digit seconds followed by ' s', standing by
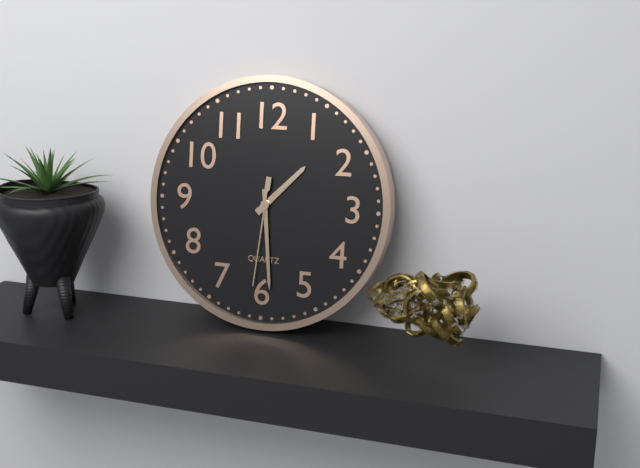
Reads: 1 h 29 min 31 s
